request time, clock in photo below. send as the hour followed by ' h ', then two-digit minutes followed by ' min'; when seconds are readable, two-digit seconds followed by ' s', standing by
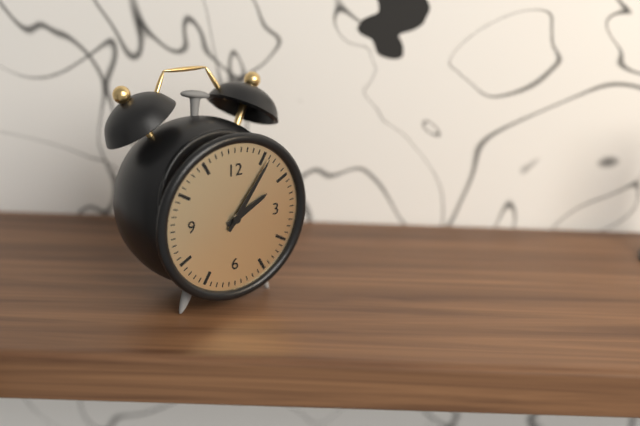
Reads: 2 h 06 min
